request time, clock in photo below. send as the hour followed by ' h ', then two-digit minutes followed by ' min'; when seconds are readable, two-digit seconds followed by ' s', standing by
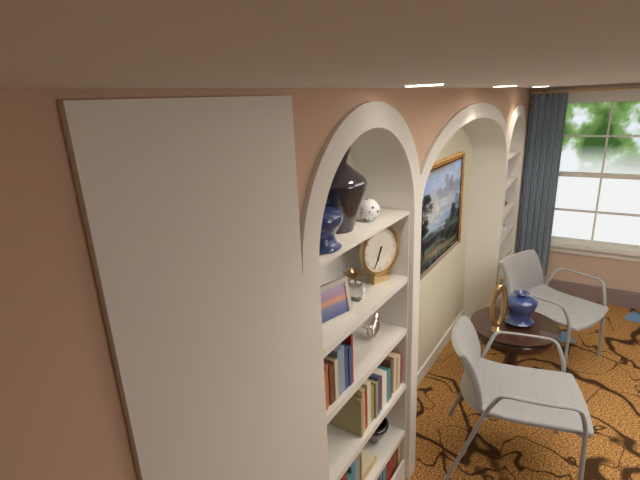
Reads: 6 h 34 min
